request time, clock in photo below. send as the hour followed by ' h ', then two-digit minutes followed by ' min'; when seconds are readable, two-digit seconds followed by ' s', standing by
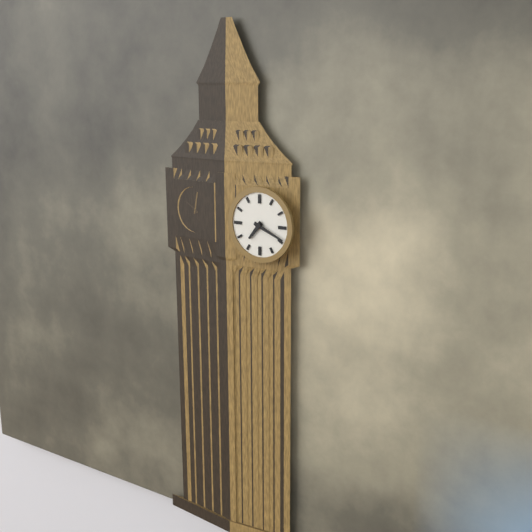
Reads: 7 h 19 min
